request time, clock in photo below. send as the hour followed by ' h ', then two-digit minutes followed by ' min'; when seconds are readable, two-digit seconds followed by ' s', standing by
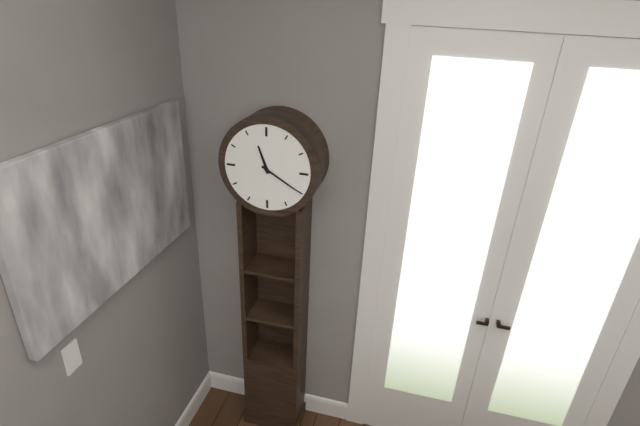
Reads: 11 h 20 min
